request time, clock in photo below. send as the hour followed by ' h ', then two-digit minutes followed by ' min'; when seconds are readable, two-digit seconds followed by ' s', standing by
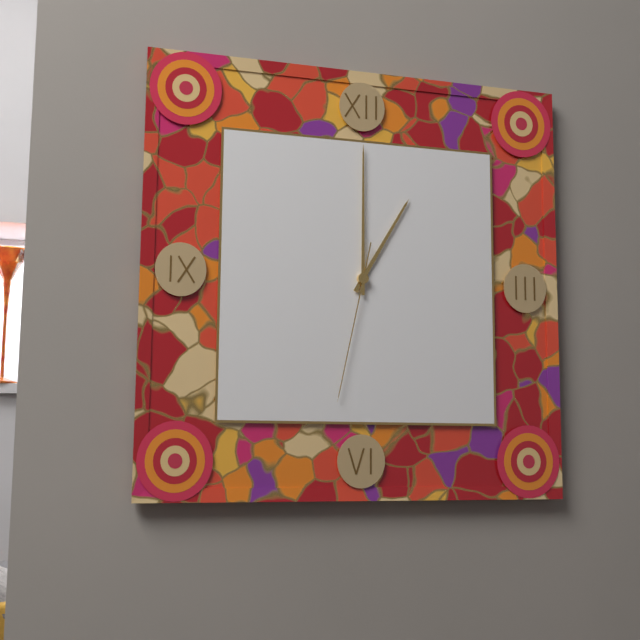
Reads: 1 h 00 min 32 s
